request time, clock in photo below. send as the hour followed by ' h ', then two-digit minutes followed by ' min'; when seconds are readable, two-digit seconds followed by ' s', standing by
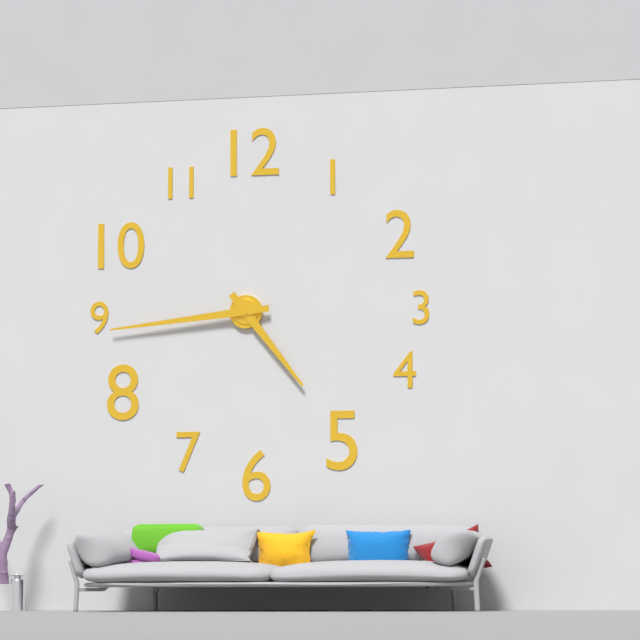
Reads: 4 h 44 min
